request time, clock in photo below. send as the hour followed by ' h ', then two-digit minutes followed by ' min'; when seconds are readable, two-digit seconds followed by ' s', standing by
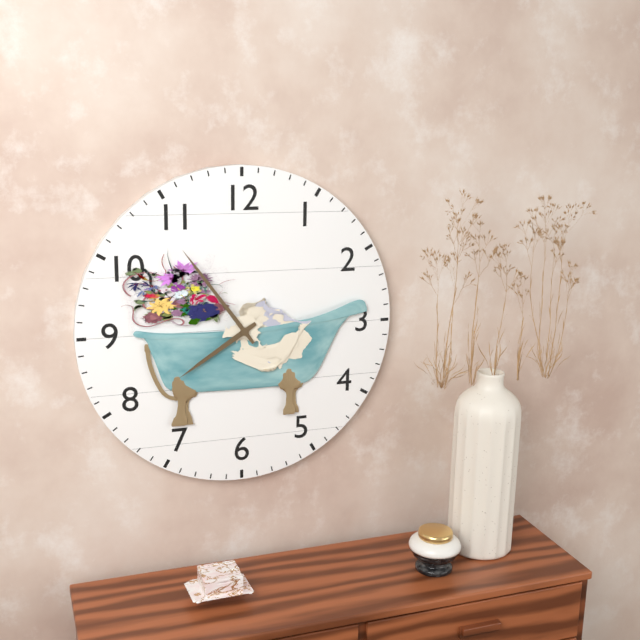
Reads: 7 h 54 min
